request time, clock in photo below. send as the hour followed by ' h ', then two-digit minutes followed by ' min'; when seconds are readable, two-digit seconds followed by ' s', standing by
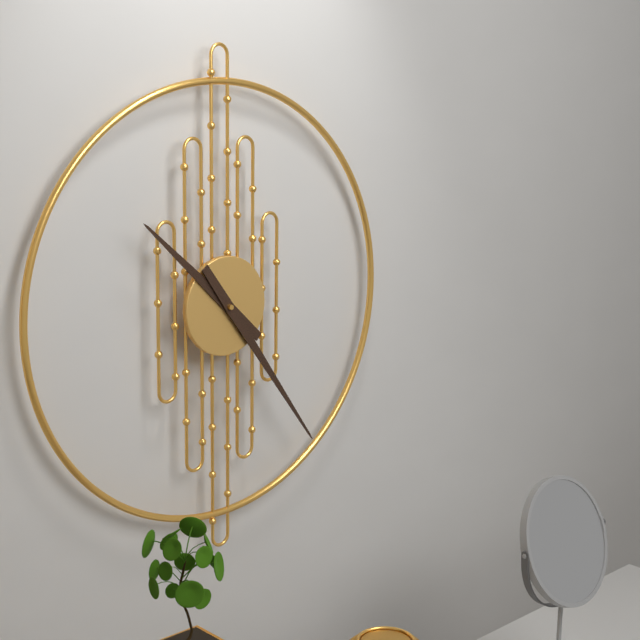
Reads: 10 h 24 min
